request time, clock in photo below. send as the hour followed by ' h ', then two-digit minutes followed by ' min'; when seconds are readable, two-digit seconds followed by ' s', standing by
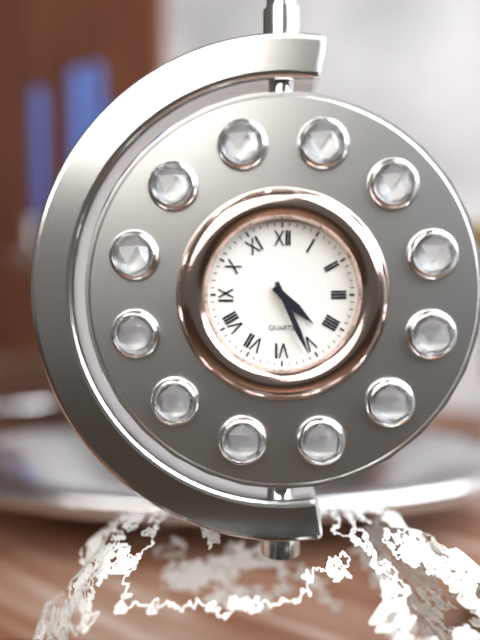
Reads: 4 h 26 min
